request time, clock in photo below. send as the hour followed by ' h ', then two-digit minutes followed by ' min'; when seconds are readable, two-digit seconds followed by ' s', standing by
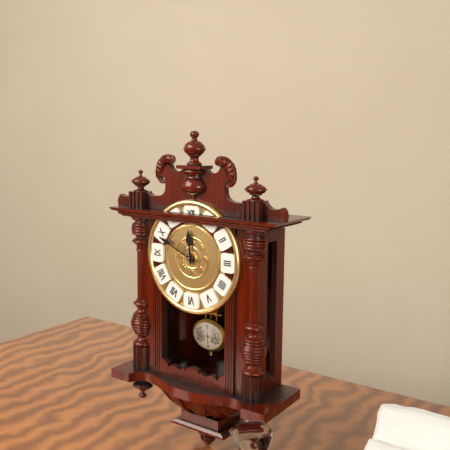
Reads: 11 h 49 min
